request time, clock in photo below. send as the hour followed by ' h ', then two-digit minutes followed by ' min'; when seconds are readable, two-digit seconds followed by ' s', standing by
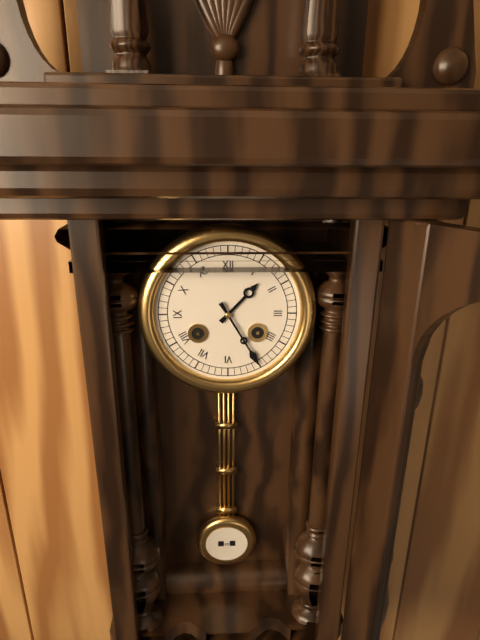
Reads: 1 h 25 min
